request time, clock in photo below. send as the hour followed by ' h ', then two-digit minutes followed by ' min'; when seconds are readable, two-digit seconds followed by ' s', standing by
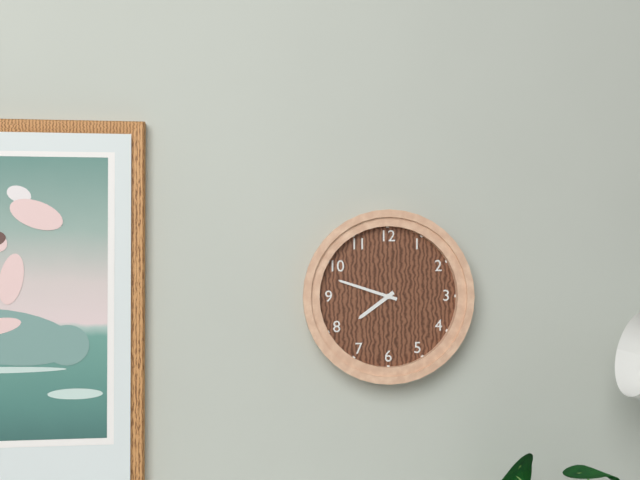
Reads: 7 h 48 min
